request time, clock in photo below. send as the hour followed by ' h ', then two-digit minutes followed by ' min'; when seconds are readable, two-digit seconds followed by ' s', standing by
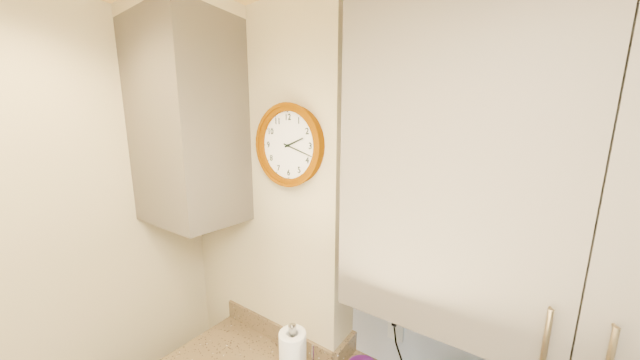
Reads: 2 h 18 min
